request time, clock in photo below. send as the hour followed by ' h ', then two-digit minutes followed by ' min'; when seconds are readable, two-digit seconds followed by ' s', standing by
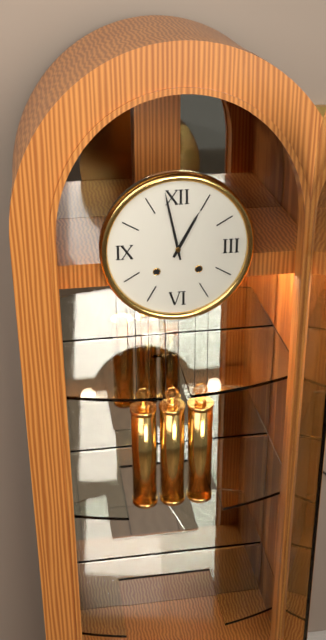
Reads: 12 h 58 min
